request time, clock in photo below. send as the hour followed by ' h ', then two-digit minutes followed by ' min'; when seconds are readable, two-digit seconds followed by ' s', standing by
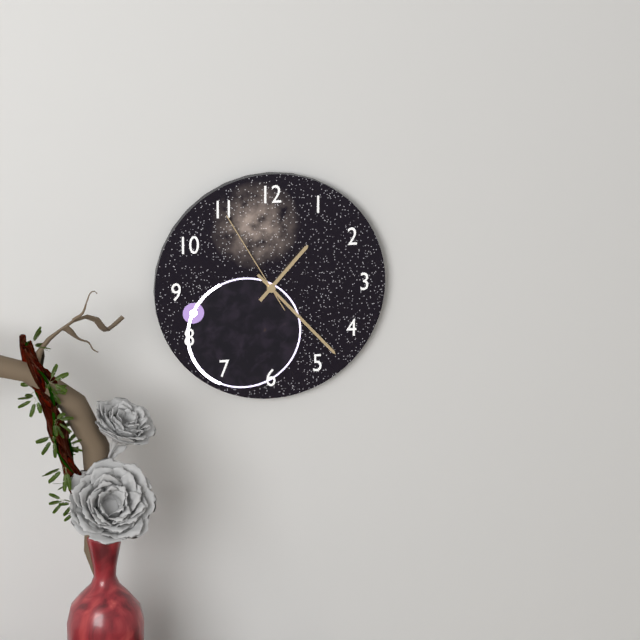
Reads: 1 h 23 min 55 s
